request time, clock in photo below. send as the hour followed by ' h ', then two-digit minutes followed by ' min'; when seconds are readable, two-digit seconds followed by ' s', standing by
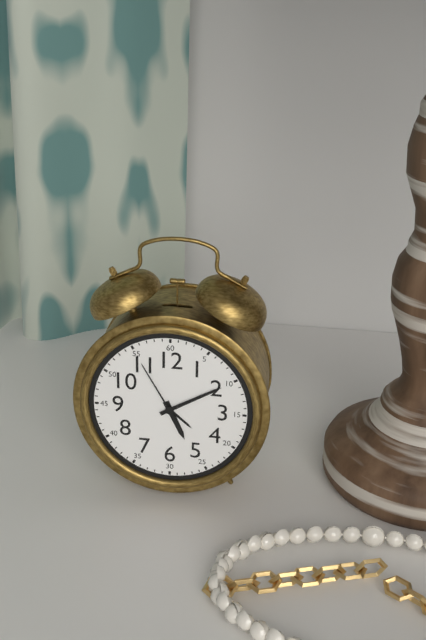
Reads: 5 h 10 min 55 s
